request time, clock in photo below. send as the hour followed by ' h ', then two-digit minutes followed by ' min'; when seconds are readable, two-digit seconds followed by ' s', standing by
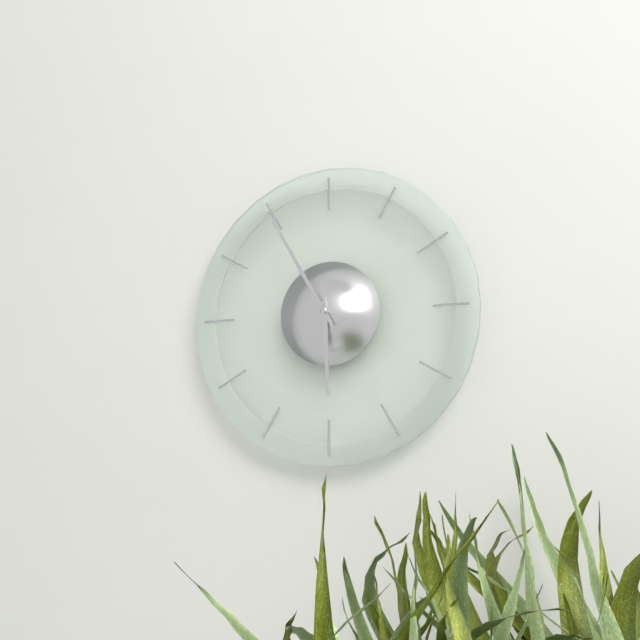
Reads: 5 h 55 min
